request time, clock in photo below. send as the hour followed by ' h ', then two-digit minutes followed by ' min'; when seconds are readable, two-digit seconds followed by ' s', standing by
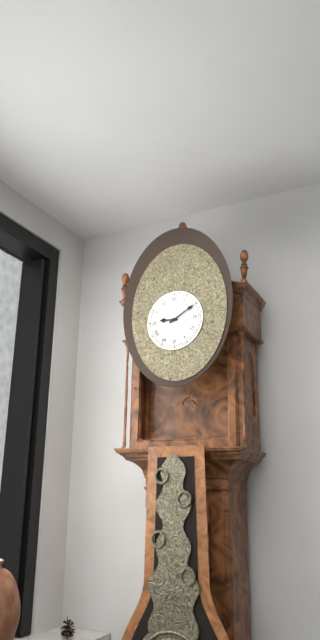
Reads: 9 h 10 min
